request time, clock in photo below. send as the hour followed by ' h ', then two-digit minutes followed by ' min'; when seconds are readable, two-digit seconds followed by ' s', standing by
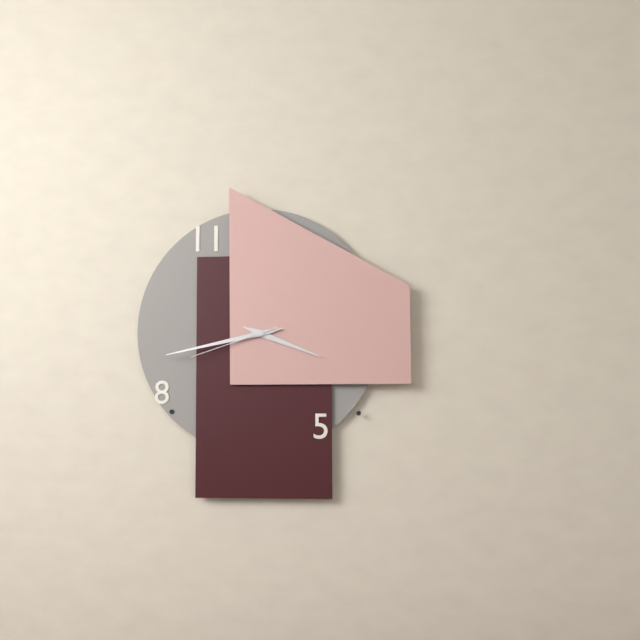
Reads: 3 h 43 min 42 s
